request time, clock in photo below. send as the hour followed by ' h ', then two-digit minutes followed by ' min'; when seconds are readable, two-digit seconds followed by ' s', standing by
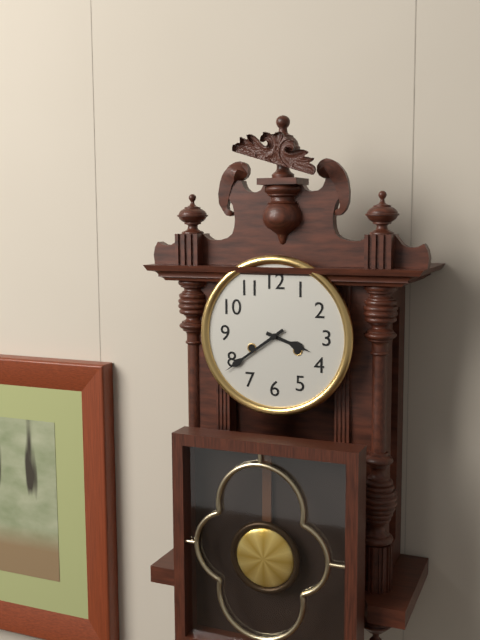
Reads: 3 h 39 min
